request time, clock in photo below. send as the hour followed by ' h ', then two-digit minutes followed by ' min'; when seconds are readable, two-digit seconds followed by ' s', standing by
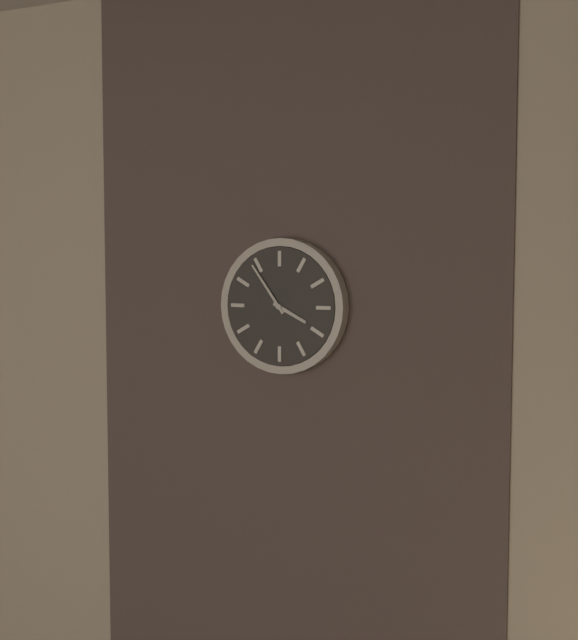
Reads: 3 h 54 min
